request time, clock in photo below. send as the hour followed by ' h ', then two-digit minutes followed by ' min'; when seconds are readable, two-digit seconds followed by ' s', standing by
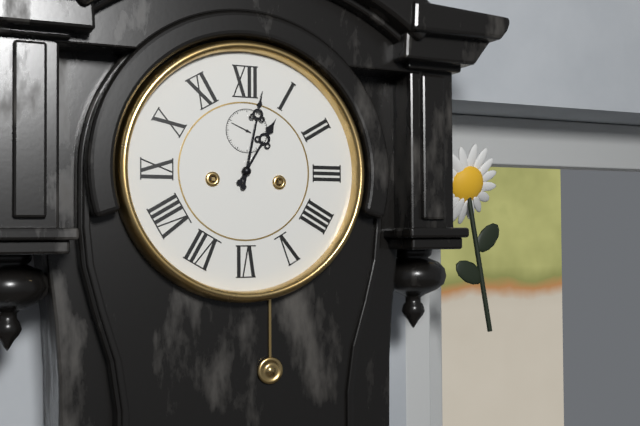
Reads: 1 h 02 min
